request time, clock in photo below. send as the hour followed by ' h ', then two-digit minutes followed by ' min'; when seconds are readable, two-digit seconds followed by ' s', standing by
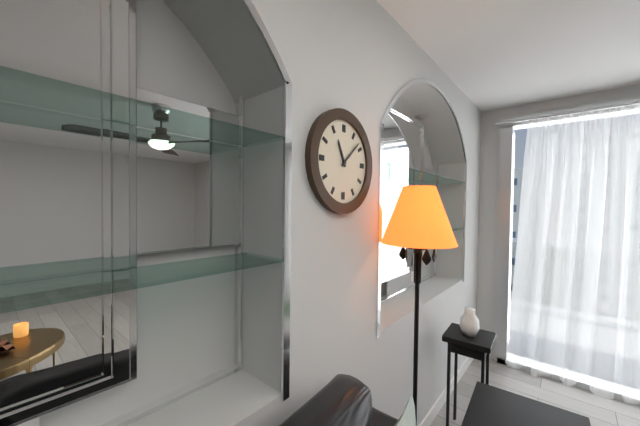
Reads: 11 h 08 min
